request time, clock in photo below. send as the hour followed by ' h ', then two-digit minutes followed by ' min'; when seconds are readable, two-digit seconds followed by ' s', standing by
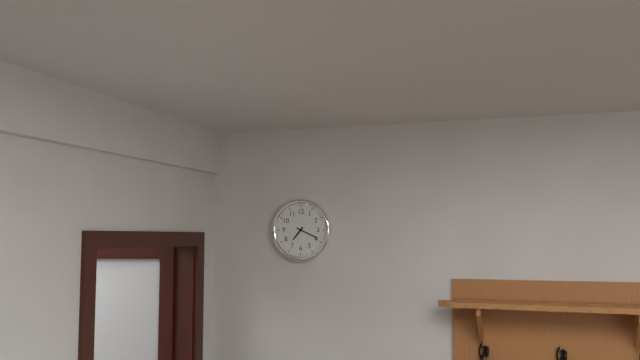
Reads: 7 h 19 min
